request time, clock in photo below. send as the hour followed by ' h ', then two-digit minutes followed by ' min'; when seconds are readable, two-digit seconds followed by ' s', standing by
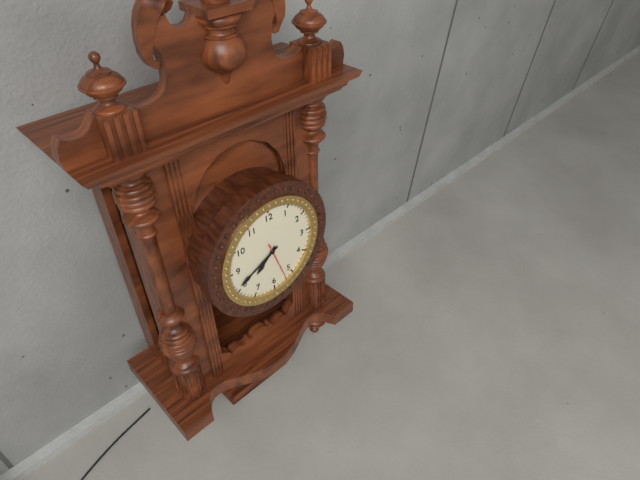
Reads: 7 h 41 min
